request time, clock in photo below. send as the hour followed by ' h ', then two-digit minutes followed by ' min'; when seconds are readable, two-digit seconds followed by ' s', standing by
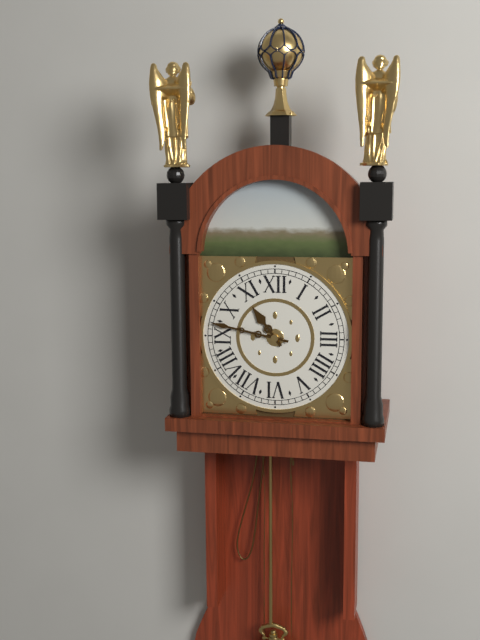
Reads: 10 h 47 min
